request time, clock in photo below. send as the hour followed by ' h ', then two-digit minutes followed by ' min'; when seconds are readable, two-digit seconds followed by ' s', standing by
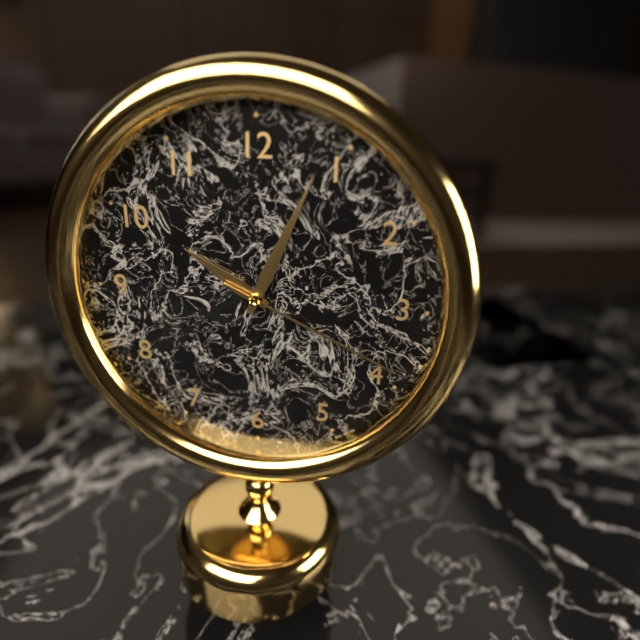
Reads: 10 h 04 min 19 s
